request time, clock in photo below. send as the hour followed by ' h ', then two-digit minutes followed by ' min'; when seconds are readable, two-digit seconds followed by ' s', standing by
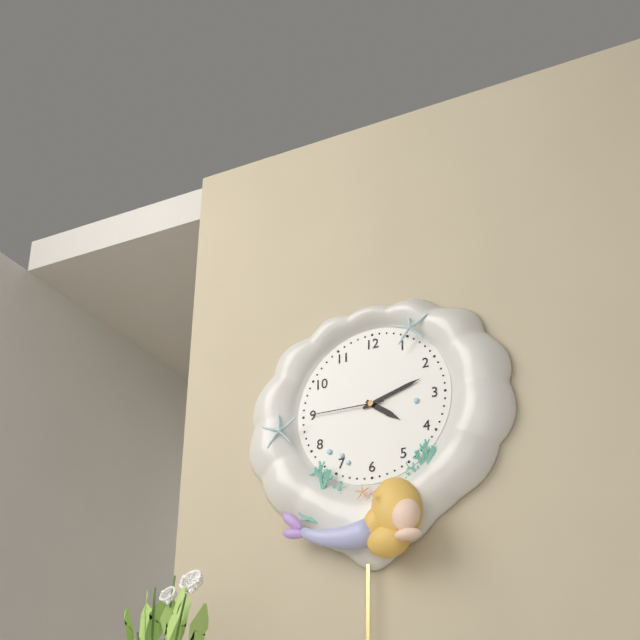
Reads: 4 h 12 min 45 s
